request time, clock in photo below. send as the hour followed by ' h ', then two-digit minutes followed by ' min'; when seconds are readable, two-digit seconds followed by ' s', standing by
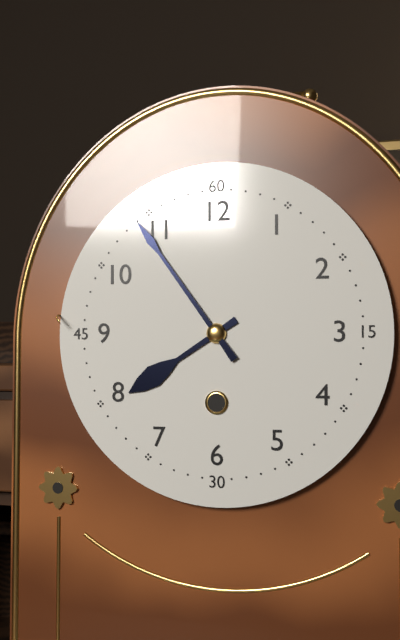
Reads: 7 h 54 min
